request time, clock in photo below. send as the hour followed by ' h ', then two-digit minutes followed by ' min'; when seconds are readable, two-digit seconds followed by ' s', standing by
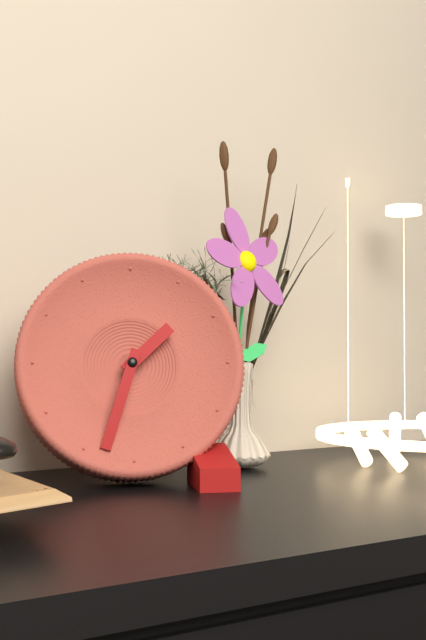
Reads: 1 h 33 min
